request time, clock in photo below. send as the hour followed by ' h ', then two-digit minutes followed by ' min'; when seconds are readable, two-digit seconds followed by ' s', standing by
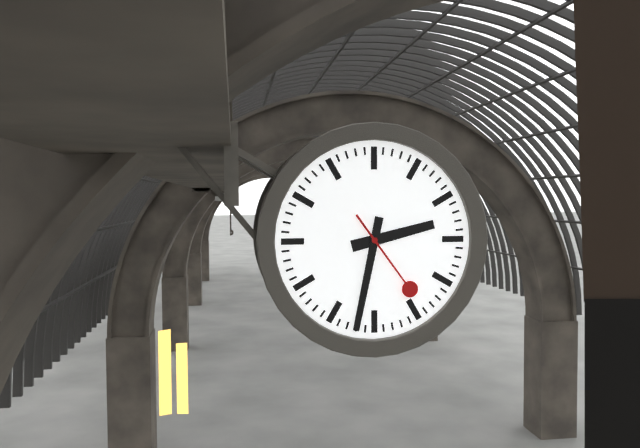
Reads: 2 h 32 min 24 s
